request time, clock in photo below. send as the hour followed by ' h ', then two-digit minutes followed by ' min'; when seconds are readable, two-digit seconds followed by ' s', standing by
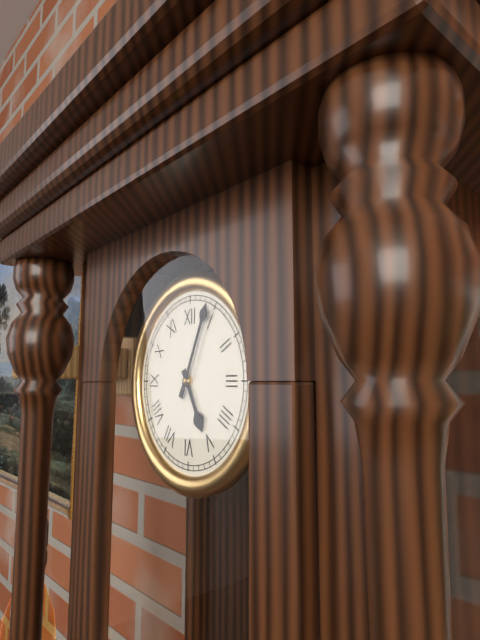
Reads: 5 h 04 min
